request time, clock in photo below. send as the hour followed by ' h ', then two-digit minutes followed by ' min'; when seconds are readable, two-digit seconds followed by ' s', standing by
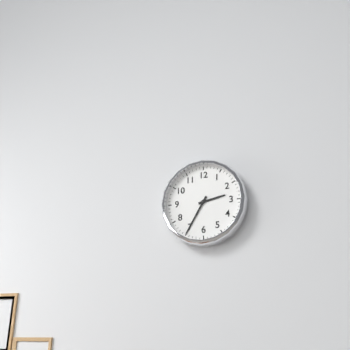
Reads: 2 h 35 min
